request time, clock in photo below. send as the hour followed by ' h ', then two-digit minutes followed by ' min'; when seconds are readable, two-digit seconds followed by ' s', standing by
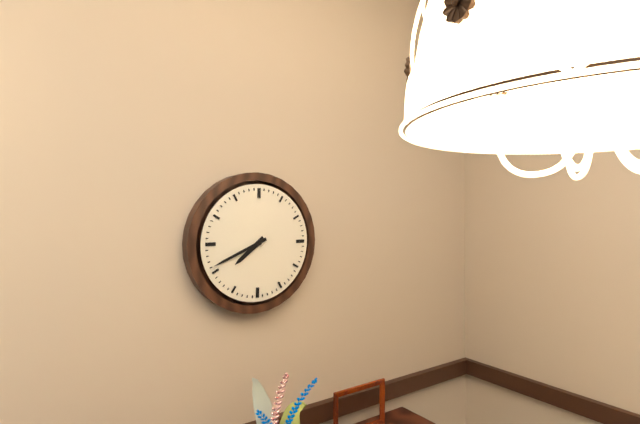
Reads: 7 h 41 min
